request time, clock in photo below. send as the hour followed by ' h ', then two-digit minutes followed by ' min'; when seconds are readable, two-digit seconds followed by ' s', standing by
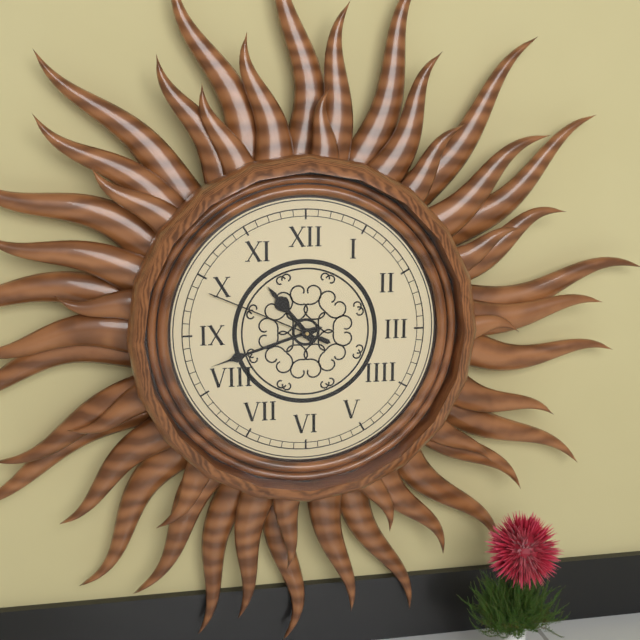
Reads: 10 h 42 min 49 s
